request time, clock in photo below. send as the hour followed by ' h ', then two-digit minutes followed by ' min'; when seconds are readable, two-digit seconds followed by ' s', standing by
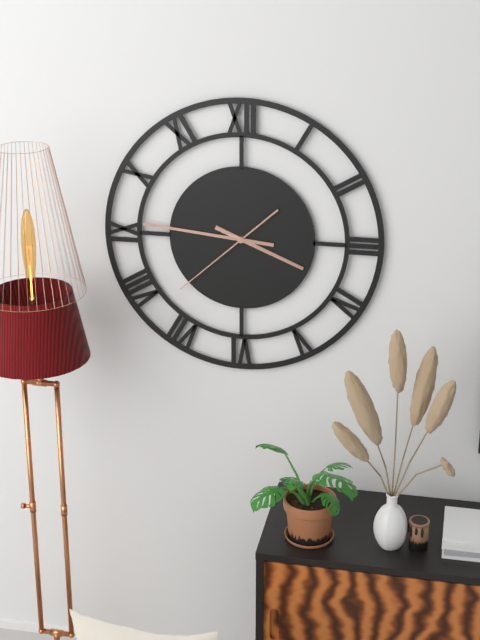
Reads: 3 h 46 min 38 s
